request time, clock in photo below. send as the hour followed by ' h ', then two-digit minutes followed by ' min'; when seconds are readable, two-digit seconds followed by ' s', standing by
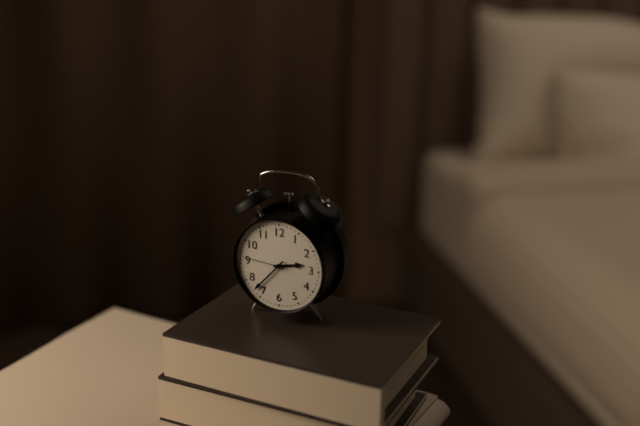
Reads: 2 h 37 min 46 s
